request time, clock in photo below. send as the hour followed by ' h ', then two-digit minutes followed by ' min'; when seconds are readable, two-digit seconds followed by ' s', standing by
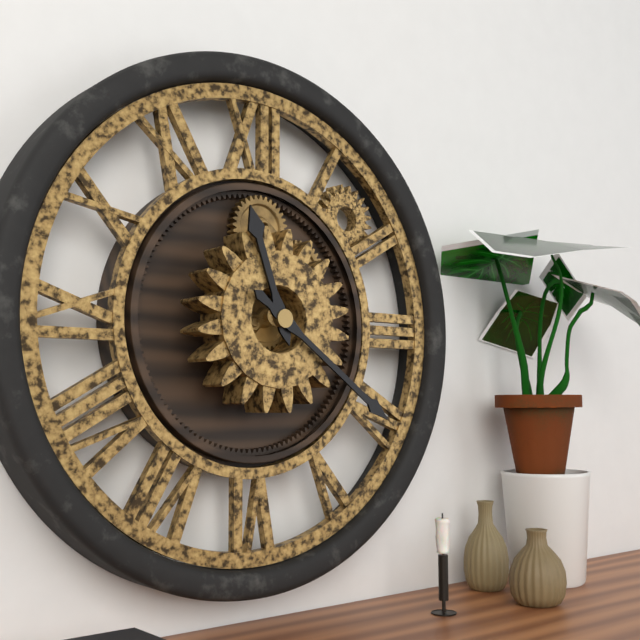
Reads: 11 h 21 min
